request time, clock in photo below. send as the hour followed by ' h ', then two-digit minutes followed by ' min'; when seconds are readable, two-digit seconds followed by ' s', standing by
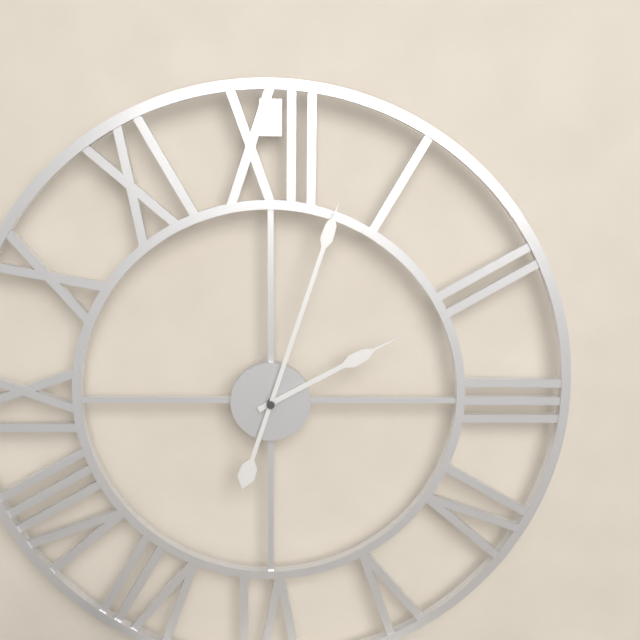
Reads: 2 h 03 min
